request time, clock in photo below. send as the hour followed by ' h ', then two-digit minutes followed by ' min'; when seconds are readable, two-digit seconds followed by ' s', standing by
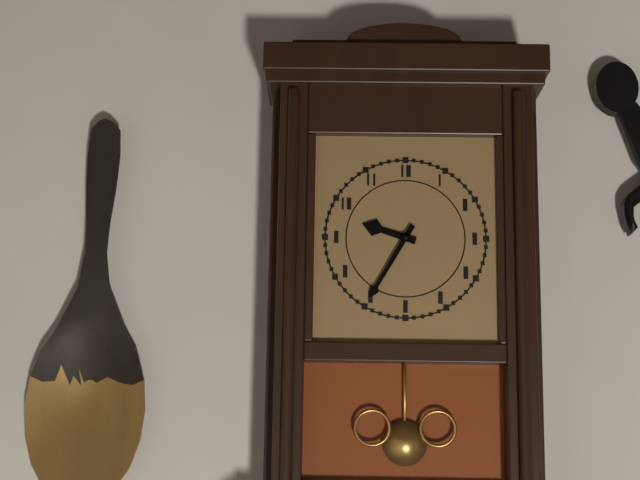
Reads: 9 h 35 min
